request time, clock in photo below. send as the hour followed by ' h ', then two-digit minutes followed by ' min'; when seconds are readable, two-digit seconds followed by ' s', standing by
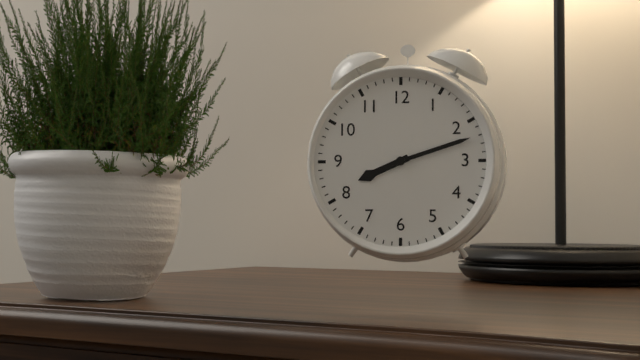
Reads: 8 h 12 min
